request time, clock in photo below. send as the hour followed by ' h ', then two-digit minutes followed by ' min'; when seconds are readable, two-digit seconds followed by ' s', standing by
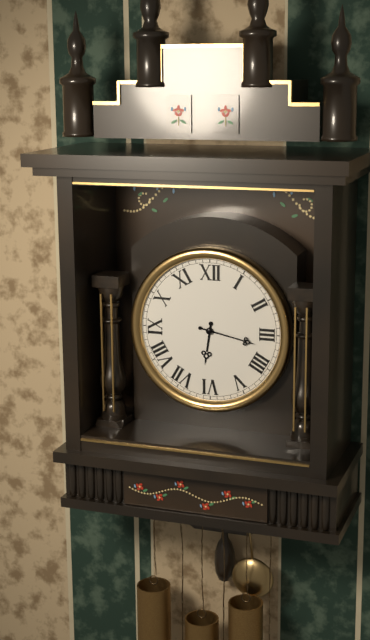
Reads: 6 h 17 min
